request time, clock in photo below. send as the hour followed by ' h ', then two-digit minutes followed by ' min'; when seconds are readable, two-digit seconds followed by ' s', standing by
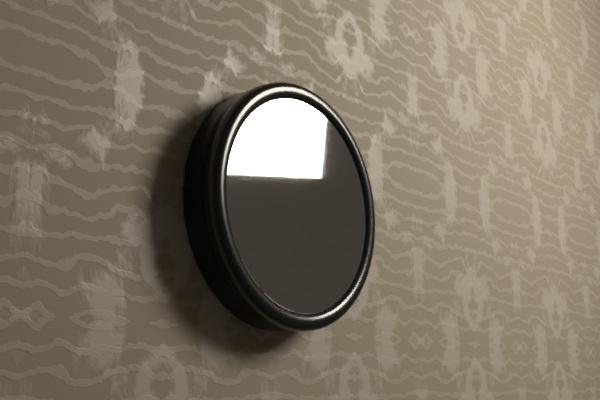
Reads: 12 h 14 min 46 s
